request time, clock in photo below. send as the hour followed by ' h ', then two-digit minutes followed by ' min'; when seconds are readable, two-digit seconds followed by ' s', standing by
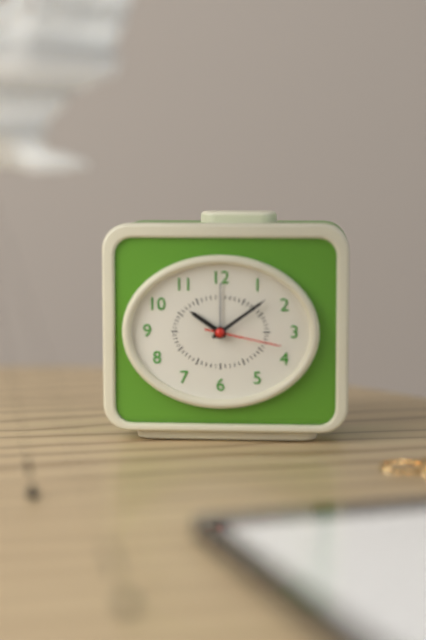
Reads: 10 h 09 min 17 s
